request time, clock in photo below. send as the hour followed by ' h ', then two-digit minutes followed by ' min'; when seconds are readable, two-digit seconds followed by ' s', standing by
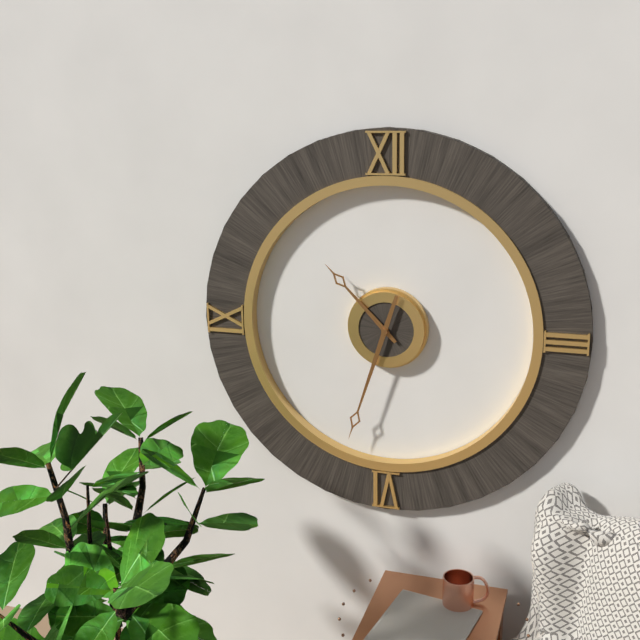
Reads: 10 h 33 min
